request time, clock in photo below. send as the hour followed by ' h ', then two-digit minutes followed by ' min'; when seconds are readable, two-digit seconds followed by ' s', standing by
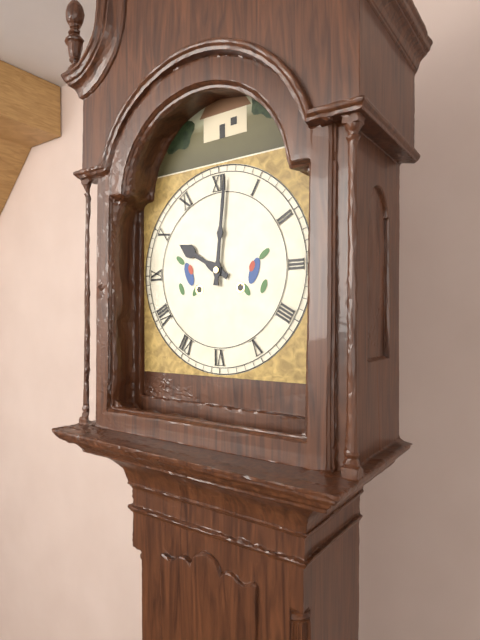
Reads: 10 h 01 min
